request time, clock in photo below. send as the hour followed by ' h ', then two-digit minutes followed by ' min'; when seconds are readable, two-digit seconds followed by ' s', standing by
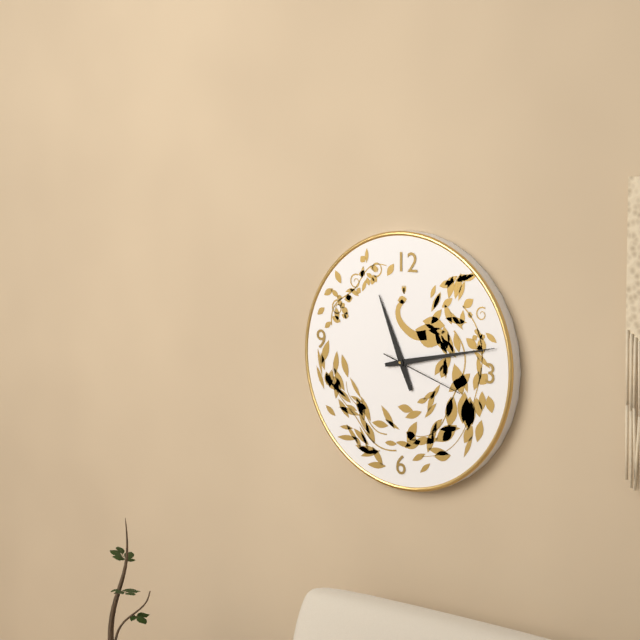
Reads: 11 h 13 min 18 s
